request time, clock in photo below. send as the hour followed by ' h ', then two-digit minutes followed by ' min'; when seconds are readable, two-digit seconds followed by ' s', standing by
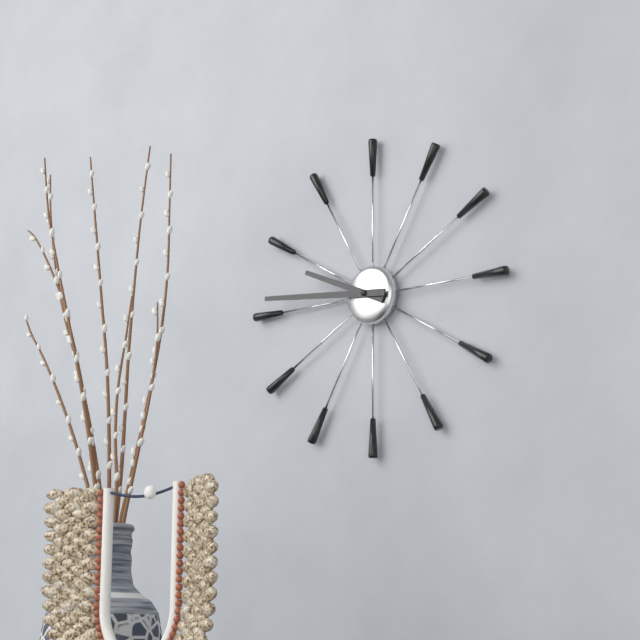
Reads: 9 h 46 min
